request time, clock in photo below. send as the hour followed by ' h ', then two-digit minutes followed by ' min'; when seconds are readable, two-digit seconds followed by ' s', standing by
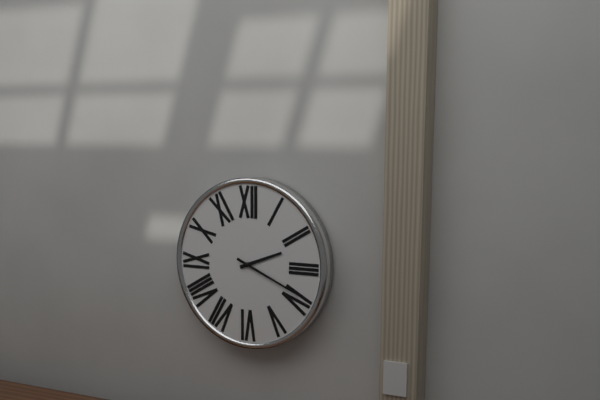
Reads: 2 h 19 min
